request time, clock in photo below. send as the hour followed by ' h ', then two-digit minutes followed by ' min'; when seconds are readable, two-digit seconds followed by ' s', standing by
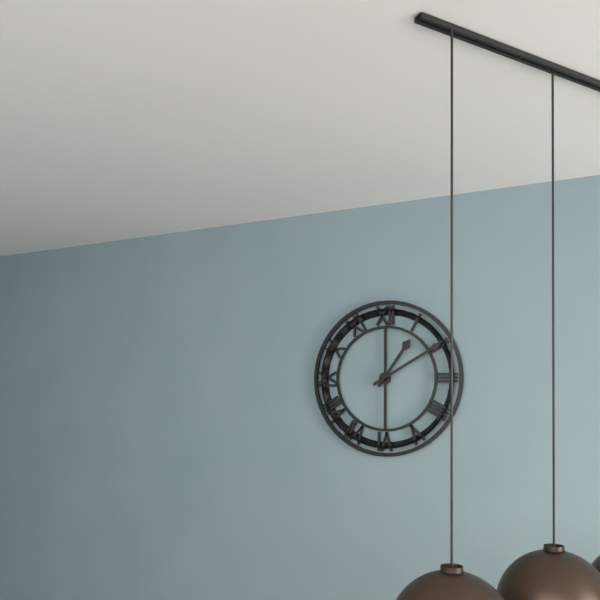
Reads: 1 h 10 min
